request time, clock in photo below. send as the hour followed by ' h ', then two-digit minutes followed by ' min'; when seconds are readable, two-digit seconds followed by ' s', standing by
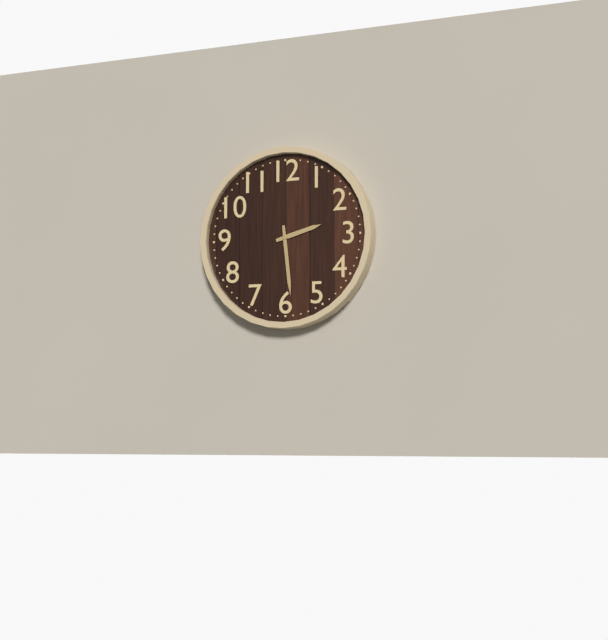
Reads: 2 h 29 min
